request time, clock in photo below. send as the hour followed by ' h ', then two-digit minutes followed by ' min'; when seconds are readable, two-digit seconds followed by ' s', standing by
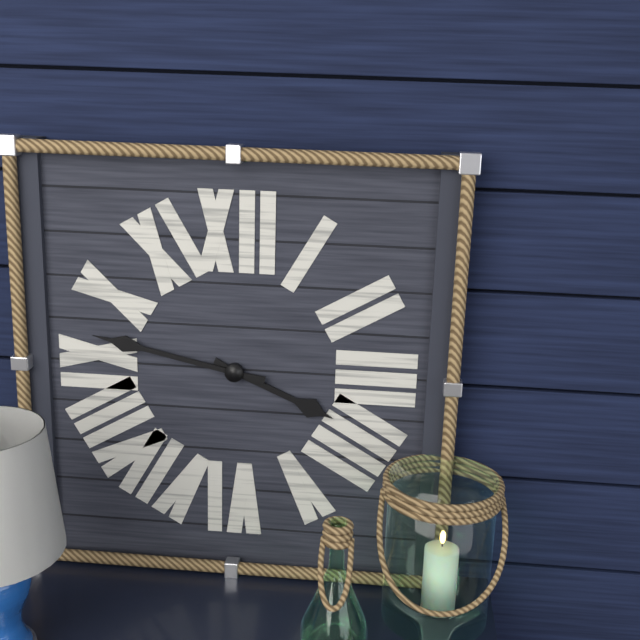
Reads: 3 h 47 min
